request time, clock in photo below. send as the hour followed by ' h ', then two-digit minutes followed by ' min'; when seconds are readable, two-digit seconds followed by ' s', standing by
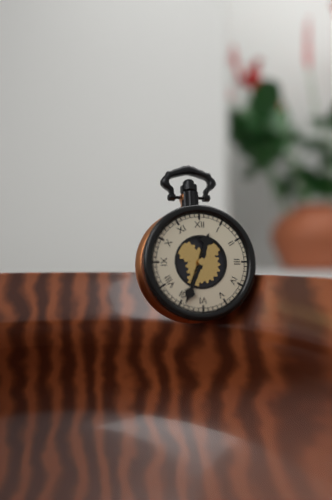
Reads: 12 h 34 min
